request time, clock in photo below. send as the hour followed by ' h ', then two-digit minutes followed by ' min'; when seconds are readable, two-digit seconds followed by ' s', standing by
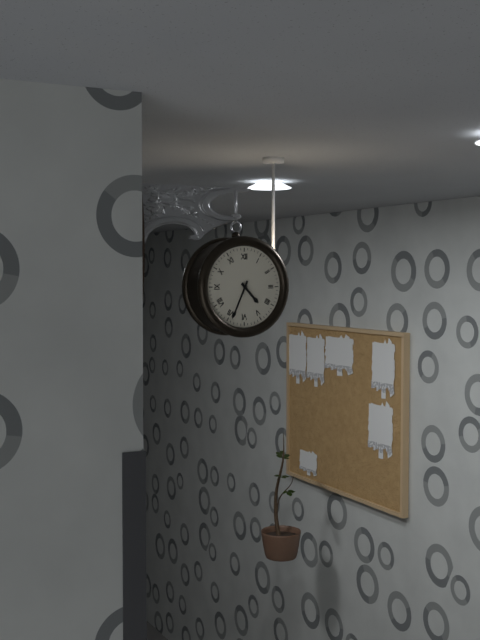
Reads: 4 h 34 min
